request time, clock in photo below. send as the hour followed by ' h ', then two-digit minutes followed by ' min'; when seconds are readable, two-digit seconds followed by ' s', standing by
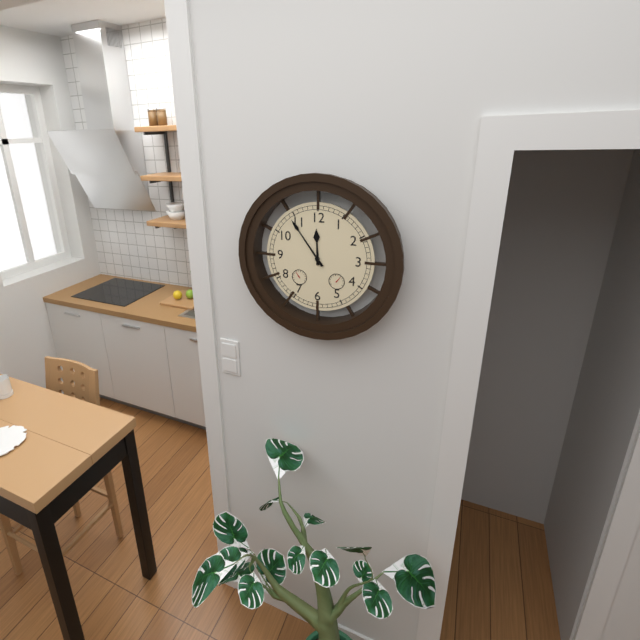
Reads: 11 h 54 min
